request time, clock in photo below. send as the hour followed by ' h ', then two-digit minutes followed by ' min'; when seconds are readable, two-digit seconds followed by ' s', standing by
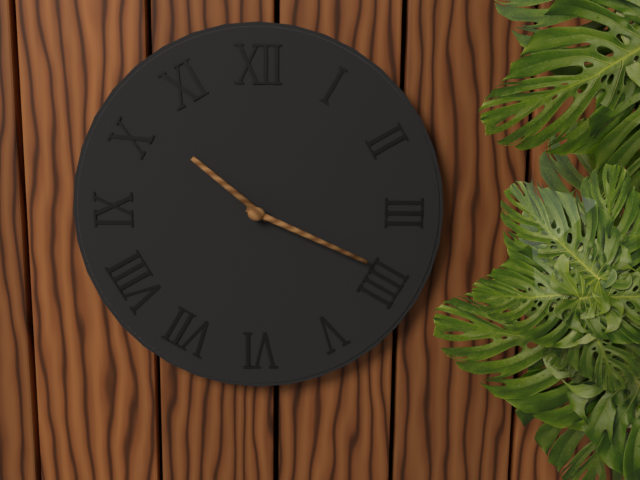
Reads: 10 h 19 min
